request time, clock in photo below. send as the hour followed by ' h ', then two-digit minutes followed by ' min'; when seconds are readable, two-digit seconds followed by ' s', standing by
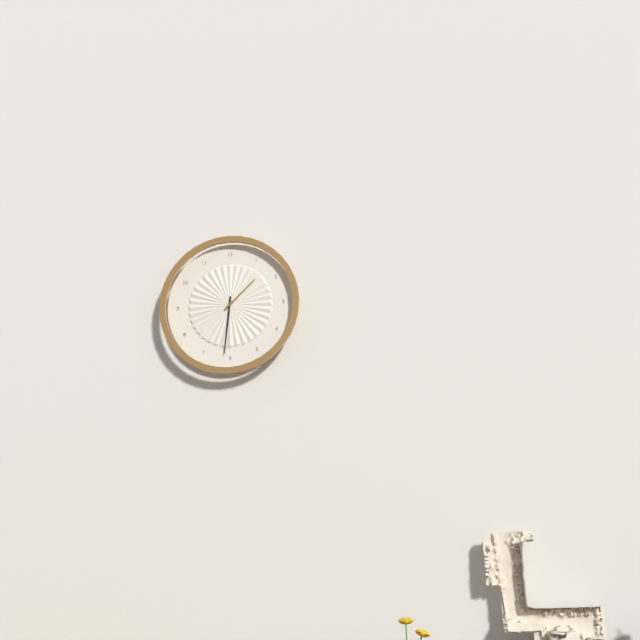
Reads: 1 h 31 min
